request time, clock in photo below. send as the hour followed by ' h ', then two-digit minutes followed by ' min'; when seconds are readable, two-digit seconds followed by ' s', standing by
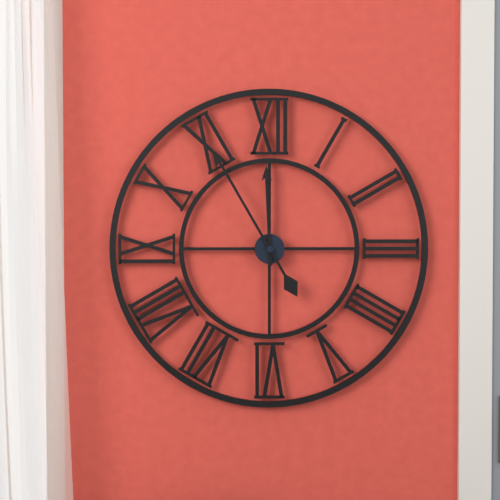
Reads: 11 h 55 min
